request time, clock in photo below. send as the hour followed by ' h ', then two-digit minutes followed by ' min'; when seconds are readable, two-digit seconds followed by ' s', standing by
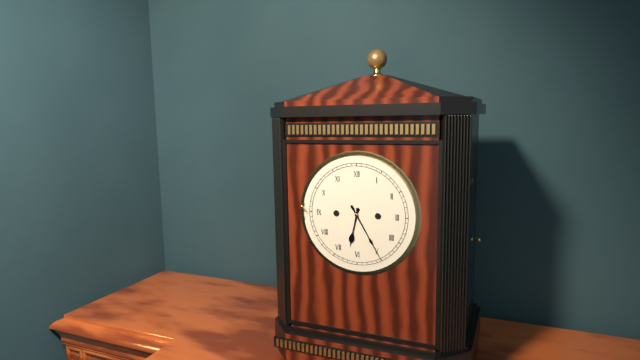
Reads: 6 h 25 min
